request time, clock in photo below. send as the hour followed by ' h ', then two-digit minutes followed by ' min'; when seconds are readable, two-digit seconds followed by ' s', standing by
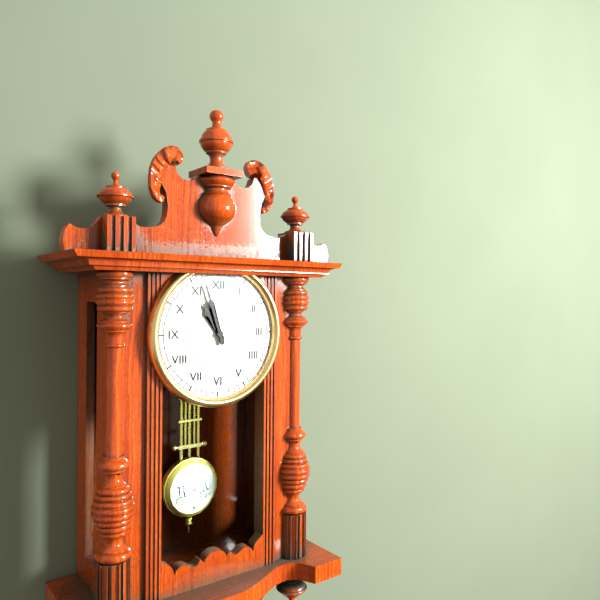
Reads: 10 h 57 min
